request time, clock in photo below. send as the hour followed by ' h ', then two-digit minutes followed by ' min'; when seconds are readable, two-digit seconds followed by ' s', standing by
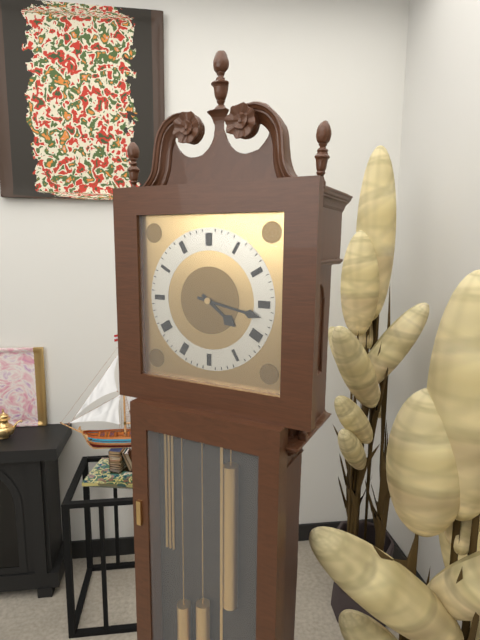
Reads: 4 h 17 min
